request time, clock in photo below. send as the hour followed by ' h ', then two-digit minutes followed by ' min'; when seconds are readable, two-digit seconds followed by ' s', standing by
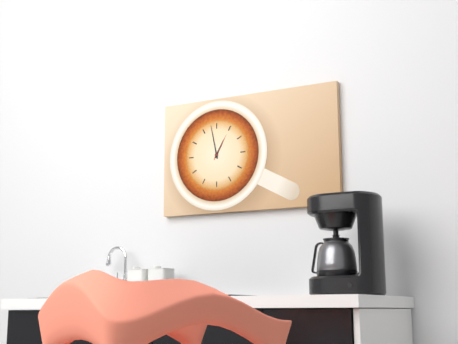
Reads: 12 h 58 min
